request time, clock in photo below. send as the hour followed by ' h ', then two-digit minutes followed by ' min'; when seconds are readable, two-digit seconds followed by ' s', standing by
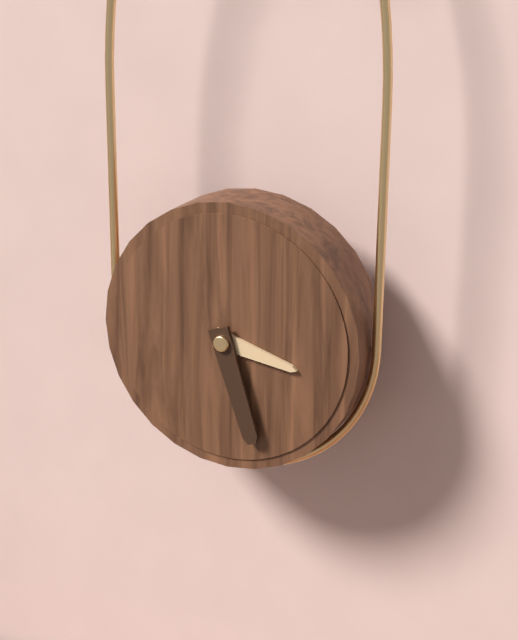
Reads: 3 h 27 min
